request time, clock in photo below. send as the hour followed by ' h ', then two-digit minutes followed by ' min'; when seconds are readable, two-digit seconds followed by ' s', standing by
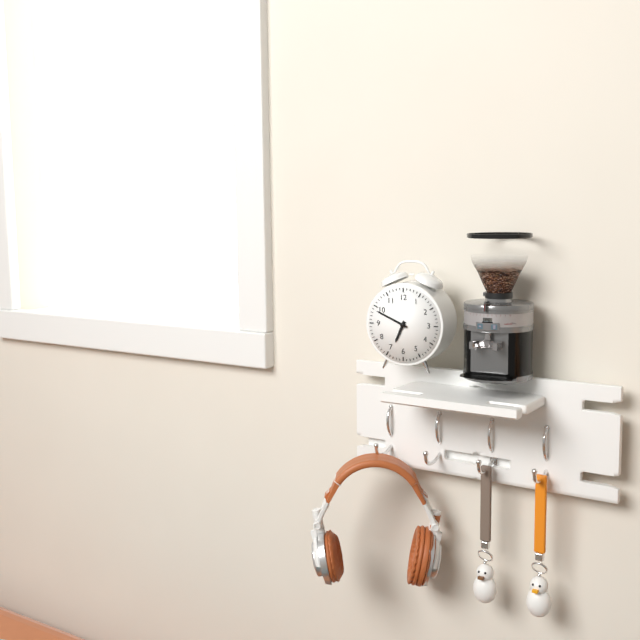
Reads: 6 h 49 min
